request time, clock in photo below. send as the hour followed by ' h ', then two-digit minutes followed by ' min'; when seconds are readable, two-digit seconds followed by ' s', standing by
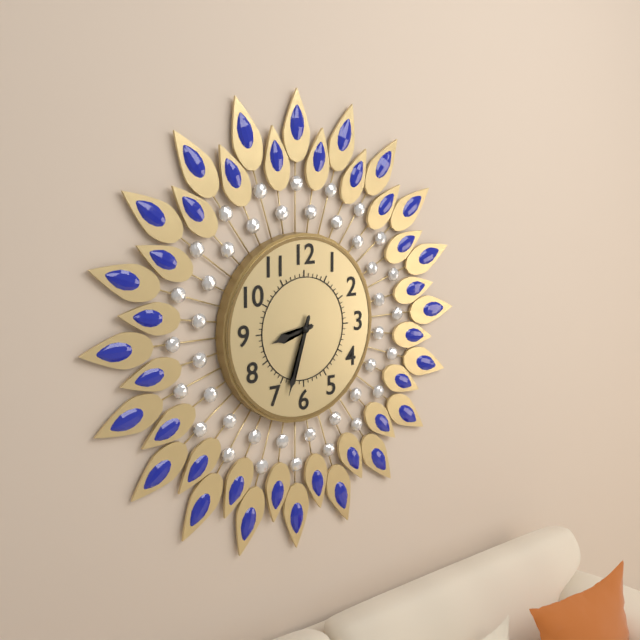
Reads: 8 h 33 min
